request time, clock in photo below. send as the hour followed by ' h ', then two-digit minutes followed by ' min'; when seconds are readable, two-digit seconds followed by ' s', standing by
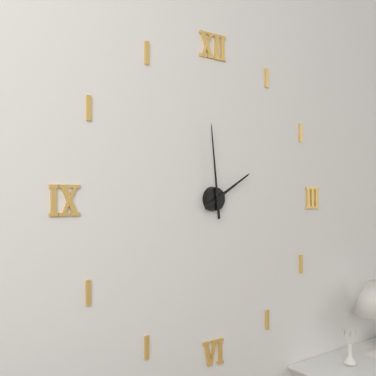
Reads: 1 h 59 min
